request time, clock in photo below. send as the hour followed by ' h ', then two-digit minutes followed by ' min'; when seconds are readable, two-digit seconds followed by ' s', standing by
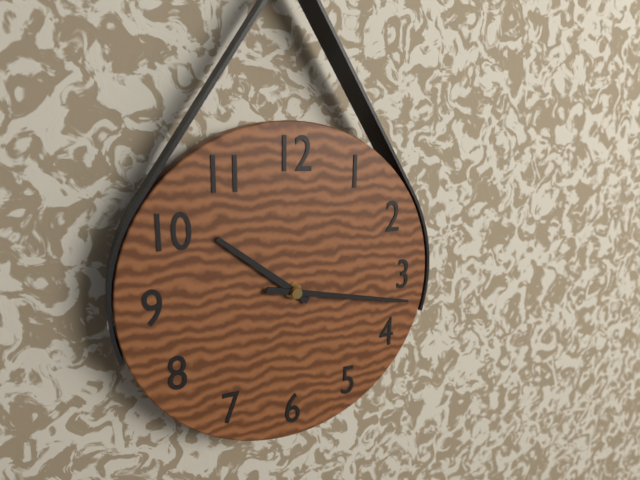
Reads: 10 h 17 min
